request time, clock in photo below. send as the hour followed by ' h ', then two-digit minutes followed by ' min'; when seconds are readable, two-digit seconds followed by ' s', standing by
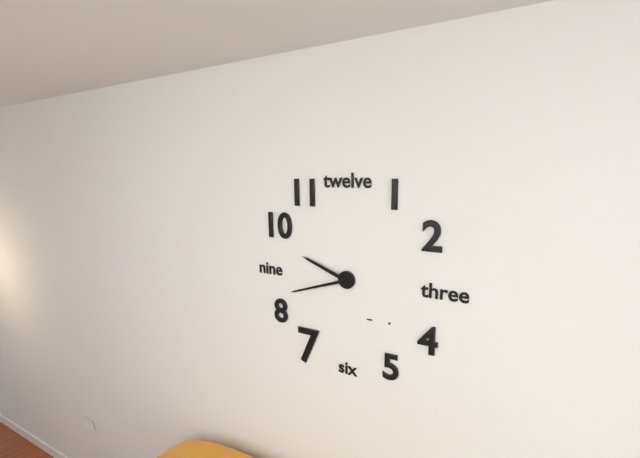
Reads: 9 h 42 min
